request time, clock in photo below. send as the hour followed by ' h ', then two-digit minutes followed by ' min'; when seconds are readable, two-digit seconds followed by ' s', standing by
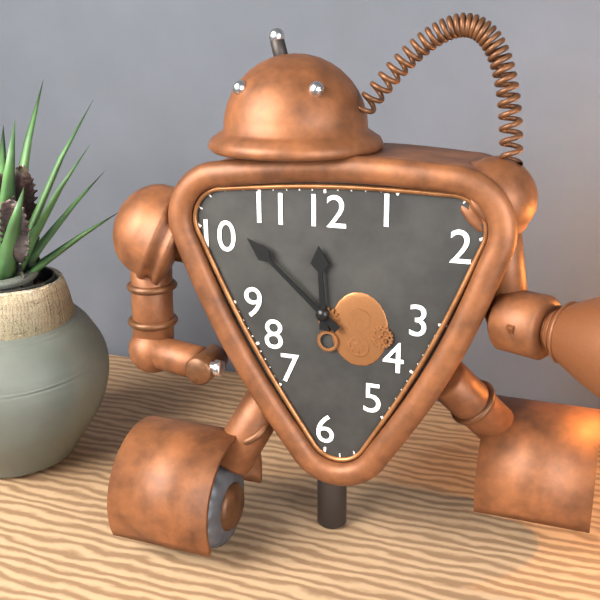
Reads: 11 h 52 min
